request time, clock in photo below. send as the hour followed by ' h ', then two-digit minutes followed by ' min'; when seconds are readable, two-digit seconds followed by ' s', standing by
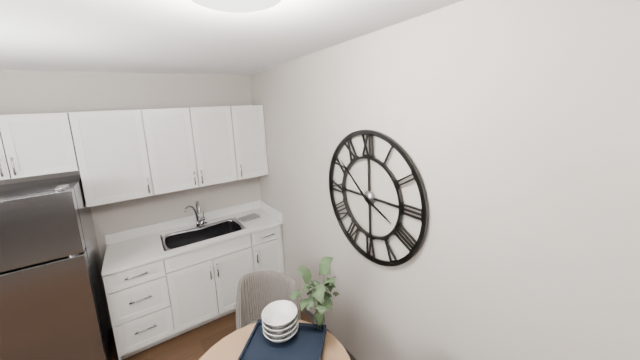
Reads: 3 h 52 min
